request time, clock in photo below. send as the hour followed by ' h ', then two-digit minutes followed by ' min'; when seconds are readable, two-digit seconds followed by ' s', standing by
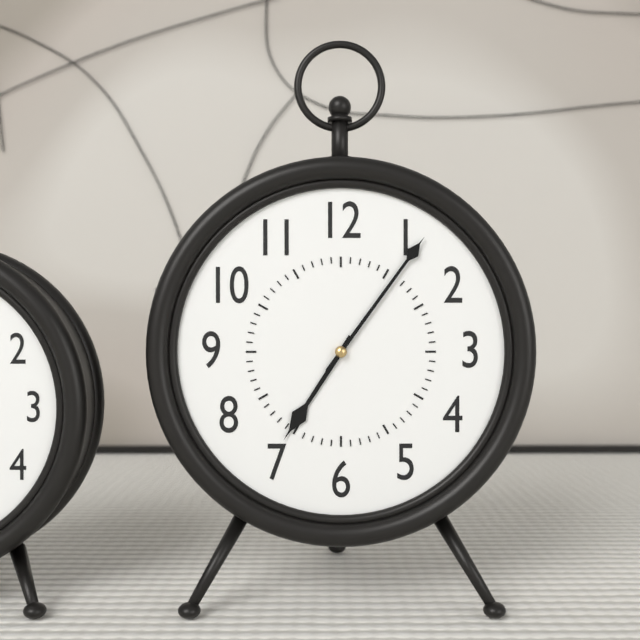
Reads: 7 h 06 min
